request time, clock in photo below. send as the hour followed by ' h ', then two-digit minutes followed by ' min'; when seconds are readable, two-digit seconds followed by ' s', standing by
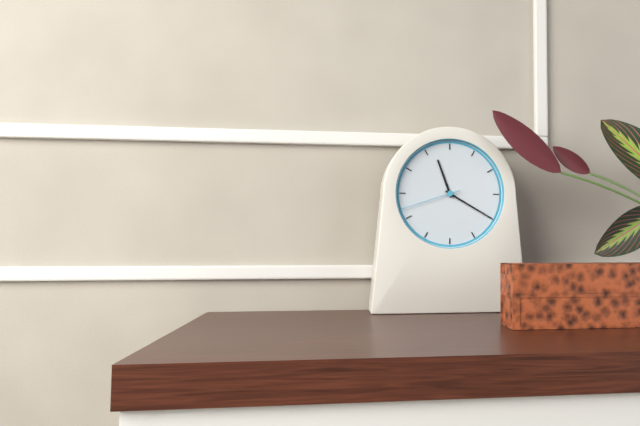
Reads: 11 h 20 min 42 s
